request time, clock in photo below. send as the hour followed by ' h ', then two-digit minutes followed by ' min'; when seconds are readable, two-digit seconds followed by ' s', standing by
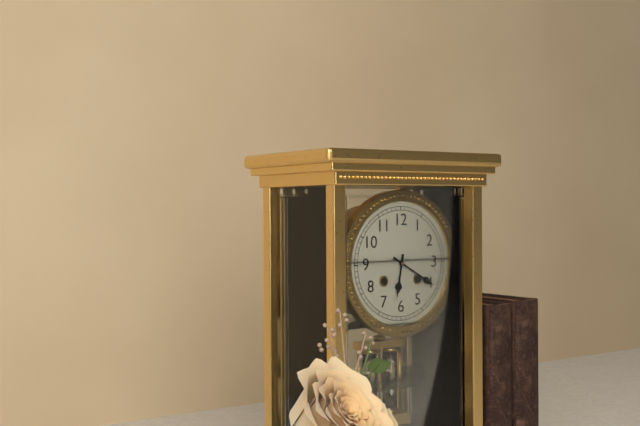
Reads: 6 h 20 min
